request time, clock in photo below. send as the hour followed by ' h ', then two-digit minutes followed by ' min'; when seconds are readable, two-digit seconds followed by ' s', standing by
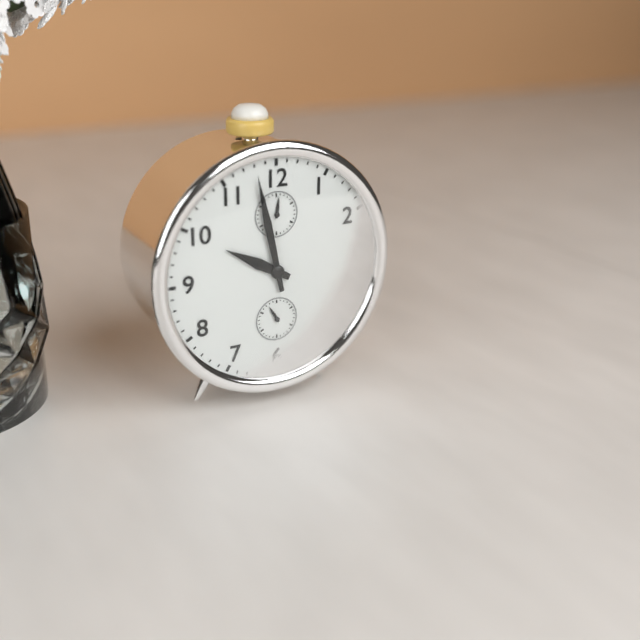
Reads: 9 h 58 min
